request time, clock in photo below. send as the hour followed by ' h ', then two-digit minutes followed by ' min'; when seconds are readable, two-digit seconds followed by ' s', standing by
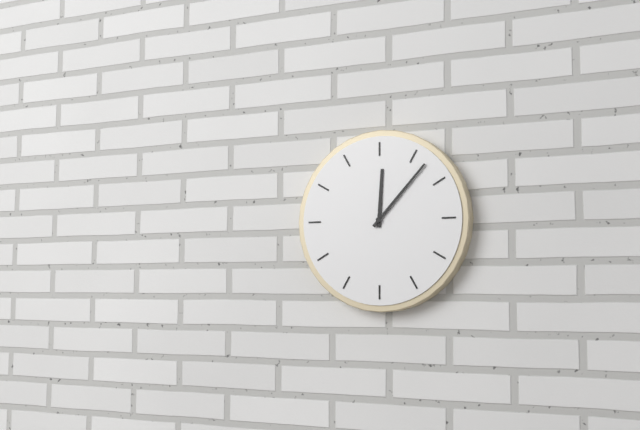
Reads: 12 h 07 min
